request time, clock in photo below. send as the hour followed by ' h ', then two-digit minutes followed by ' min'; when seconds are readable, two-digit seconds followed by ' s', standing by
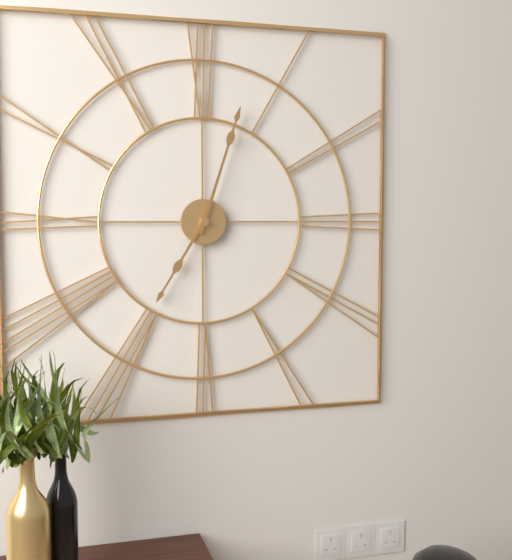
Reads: 7 h 03 min
